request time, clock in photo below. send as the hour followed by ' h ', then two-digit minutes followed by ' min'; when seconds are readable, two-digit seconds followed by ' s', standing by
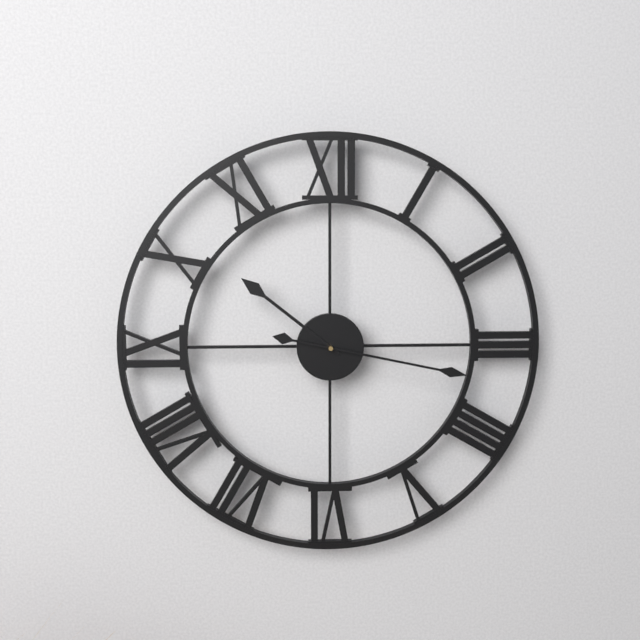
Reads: 10 h 17 min
